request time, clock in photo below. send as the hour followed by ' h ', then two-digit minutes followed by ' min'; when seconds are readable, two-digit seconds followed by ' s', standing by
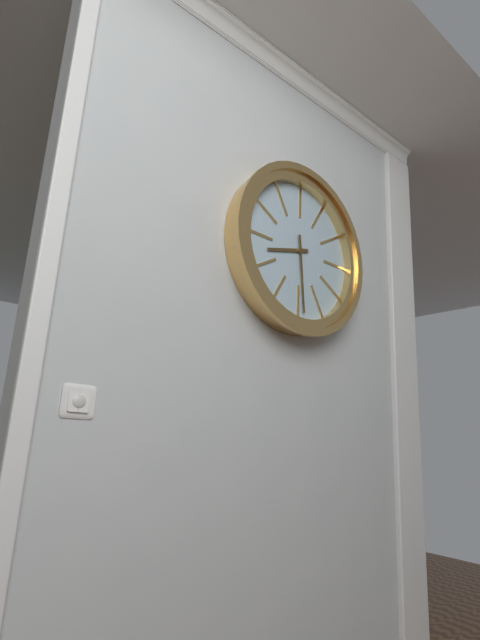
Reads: 8 h 29 min
